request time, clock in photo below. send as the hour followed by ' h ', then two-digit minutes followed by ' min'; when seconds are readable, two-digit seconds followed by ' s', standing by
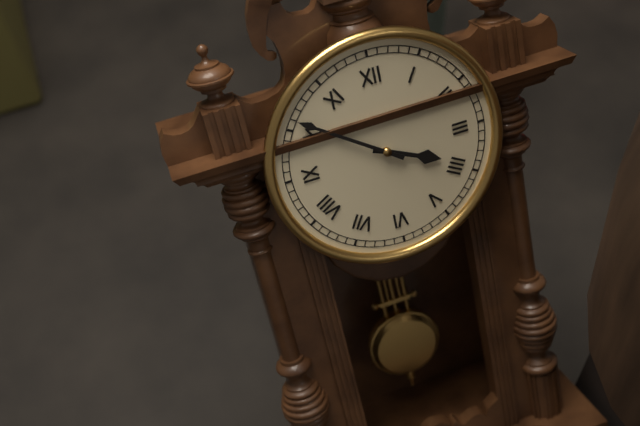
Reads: 3 h 51 min
